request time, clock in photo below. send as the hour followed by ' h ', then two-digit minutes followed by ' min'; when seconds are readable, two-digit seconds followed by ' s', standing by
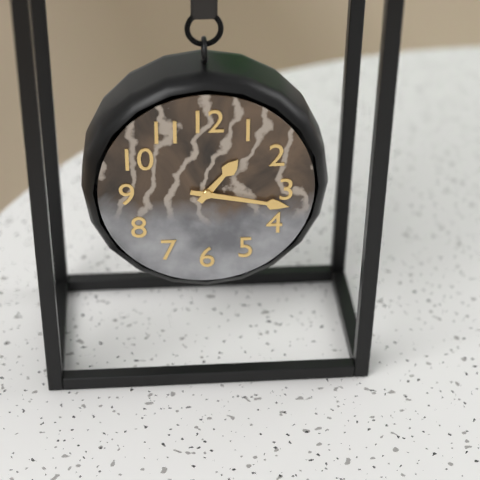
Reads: 1 h 17 min
